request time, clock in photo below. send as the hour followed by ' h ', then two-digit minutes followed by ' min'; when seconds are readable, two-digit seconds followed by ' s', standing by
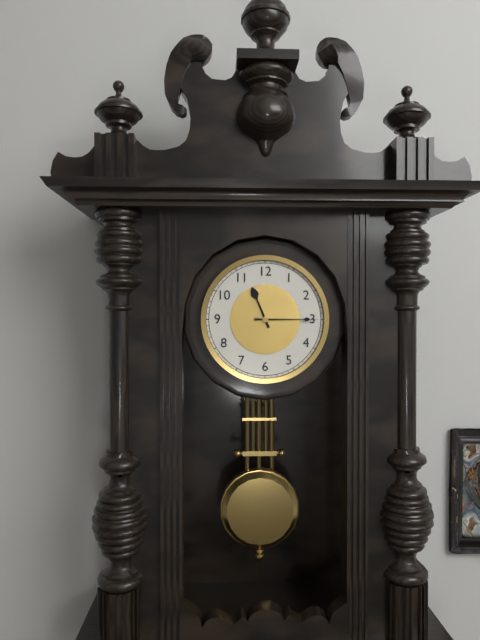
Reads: 11 h 15 min
